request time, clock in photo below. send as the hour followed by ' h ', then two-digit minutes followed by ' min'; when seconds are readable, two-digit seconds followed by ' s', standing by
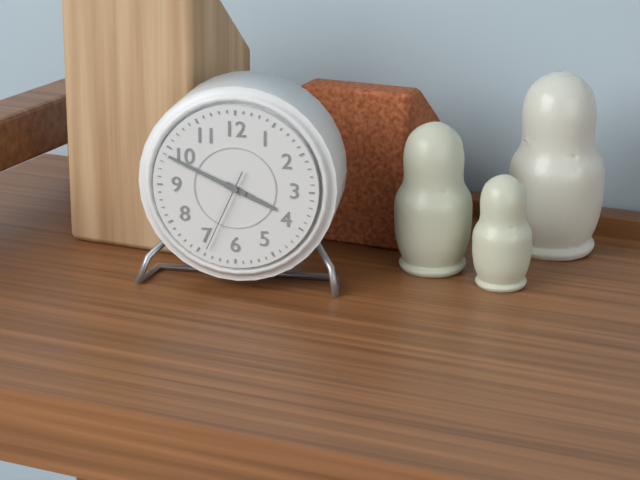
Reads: 3 h 49 min 34 s
